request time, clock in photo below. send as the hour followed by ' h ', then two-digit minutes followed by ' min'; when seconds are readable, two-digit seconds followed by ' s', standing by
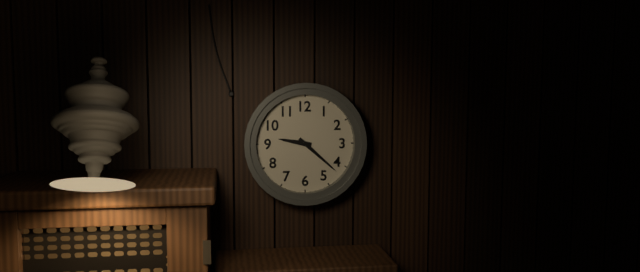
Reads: 9 h 22 min
